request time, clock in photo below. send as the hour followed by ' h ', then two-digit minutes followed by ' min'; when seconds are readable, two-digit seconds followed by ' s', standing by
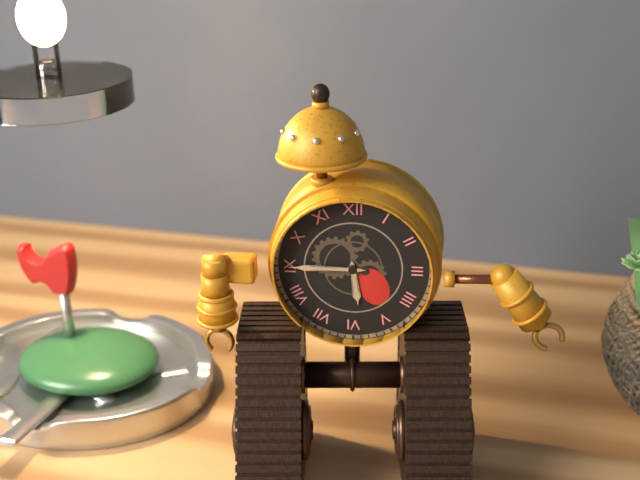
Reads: 5 h 45 min
